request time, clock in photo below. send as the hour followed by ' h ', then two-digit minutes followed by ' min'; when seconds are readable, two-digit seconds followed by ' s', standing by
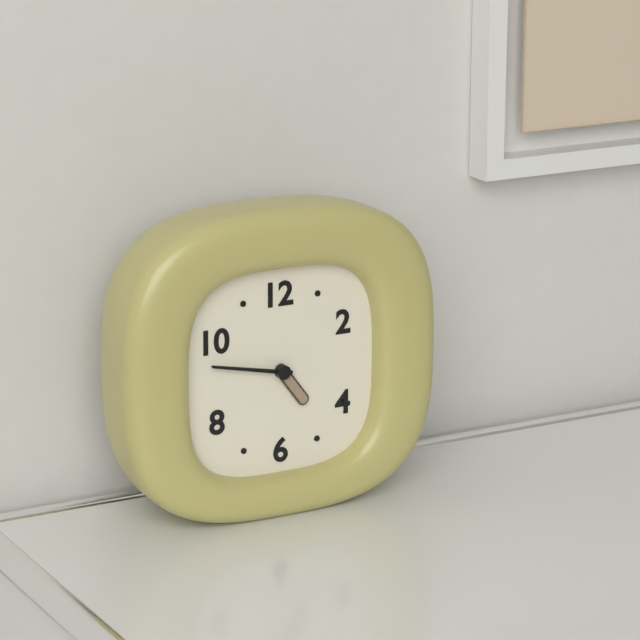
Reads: 4 h 47 min
